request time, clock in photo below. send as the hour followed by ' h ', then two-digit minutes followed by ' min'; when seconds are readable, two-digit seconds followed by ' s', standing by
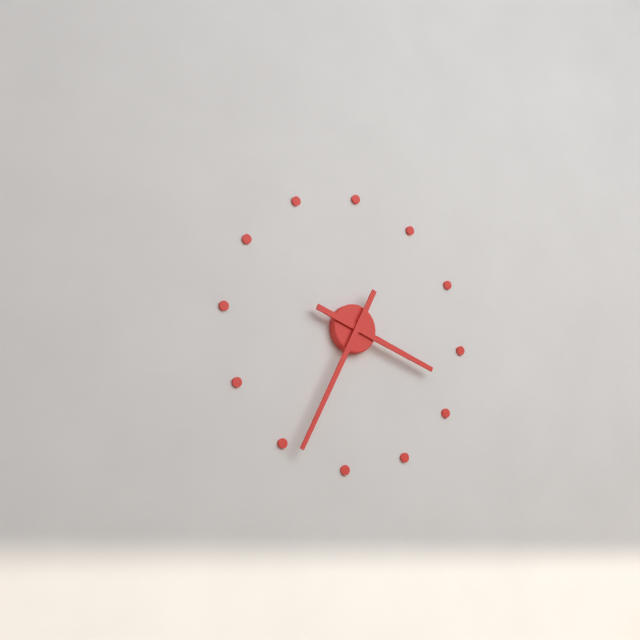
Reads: 3 h 34 min
